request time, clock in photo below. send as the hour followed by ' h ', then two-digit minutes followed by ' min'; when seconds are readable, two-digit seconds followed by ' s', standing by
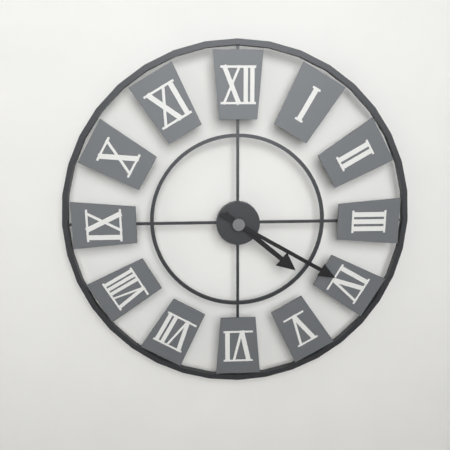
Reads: 4 h 20 min
